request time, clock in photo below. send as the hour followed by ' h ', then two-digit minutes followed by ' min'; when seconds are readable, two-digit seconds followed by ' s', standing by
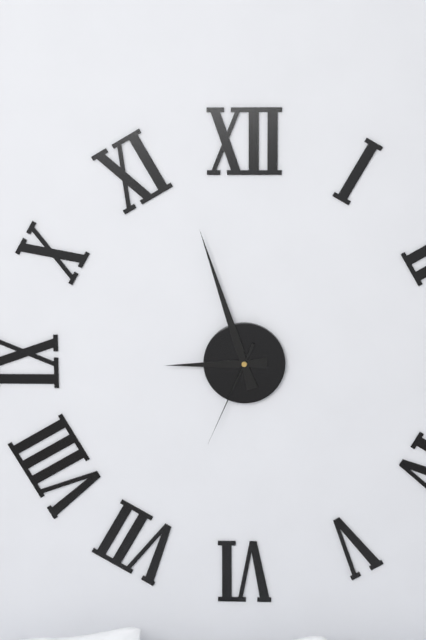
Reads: 8 h 57 min 34 s
